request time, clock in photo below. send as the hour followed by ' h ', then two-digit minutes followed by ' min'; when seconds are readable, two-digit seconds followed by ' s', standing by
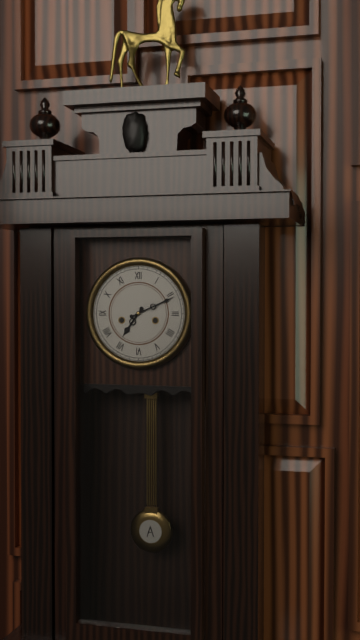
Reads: 7 h 11 min
